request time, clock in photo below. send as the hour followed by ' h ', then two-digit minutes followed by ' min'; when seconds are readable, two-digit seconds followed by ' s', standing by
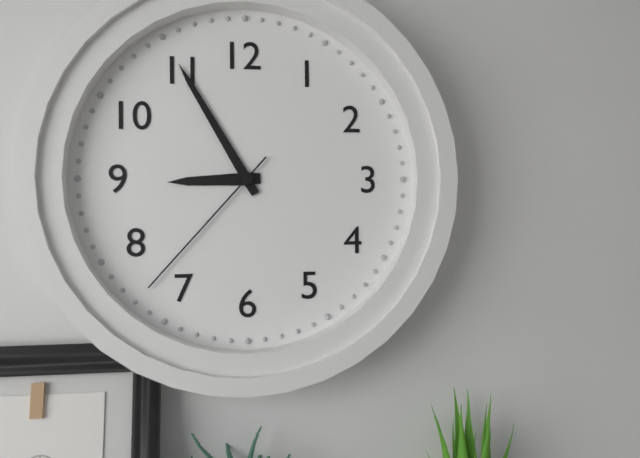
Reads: 8 h 55 min 37 s
